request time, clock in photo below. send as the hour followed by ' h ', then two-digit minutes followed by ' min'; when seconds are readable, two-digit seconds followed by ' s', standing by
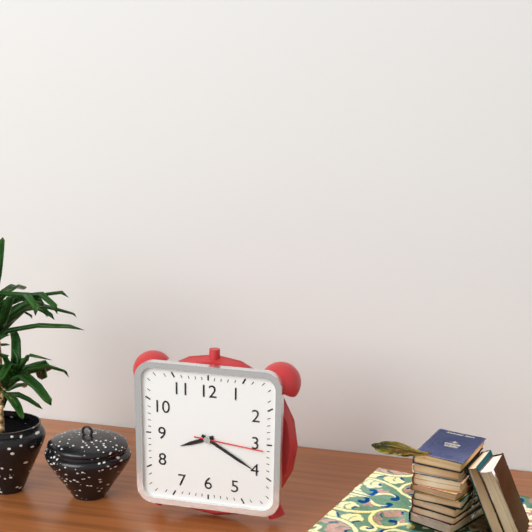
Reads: 8 h 20 min 16 s
